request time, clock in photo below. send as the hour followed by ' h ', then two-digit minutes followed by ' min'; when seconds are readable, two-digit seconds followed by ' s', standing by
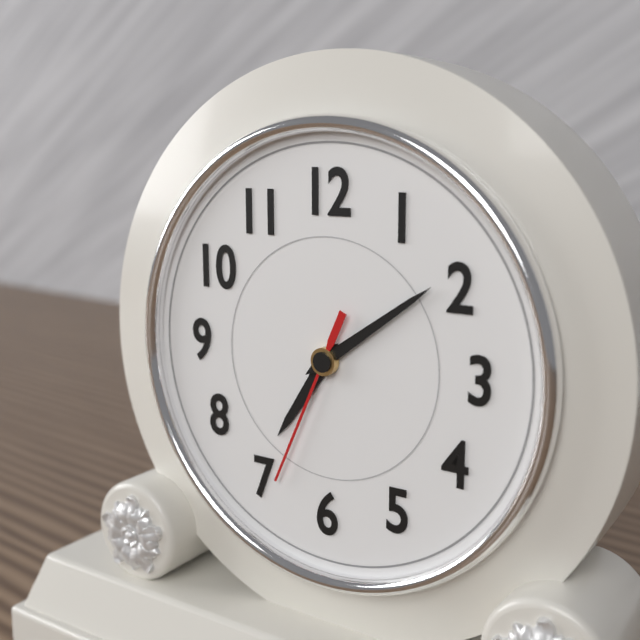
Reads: 7 h 09 min 34 s
